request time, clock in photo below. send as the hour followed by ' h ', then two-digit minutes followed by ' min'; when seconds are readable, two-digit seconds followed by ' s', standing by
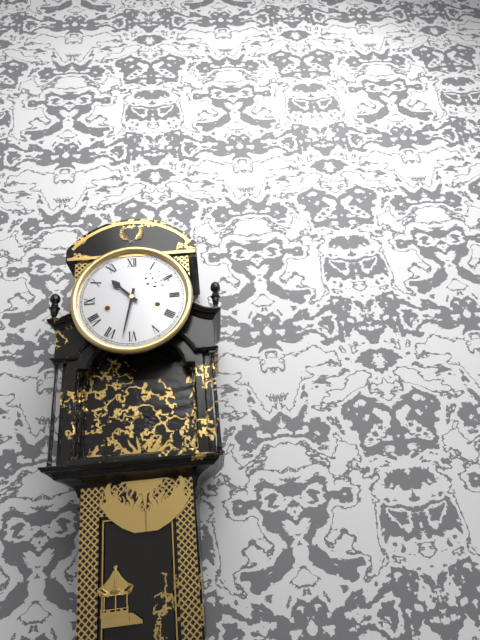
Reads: 10 h 32 min
